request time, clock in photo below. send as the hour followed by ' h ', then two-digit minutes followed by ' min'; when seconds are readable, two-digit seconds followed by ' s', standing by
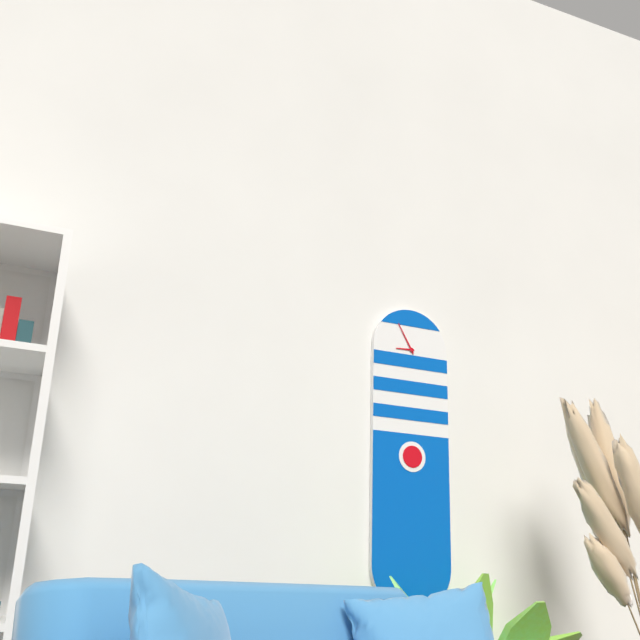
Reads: 8 h 55 min
